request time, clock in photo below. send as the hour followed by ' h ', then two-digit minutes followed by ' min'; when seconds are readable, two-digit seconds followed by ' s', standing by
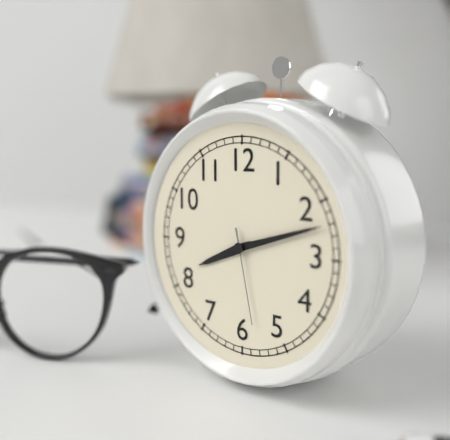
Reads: 8 h 12 min 28 s
